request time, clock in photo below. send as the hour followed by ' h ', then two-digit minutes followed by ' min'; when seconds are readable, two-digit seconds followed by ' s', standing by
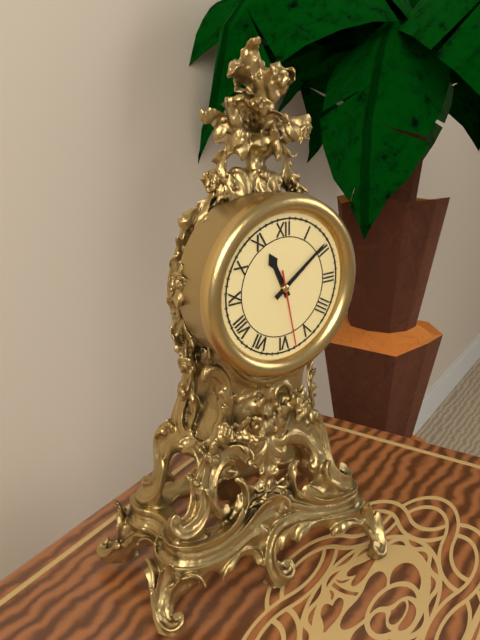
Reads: 11 h 09 min 28 s
